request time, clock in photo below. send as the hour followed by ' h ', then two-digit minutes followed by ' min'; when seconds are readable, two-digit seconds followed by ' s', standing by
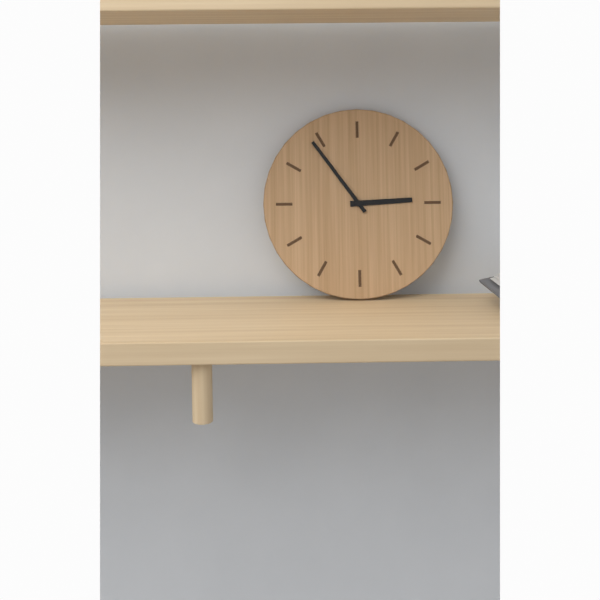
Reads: 2 h 54 min
